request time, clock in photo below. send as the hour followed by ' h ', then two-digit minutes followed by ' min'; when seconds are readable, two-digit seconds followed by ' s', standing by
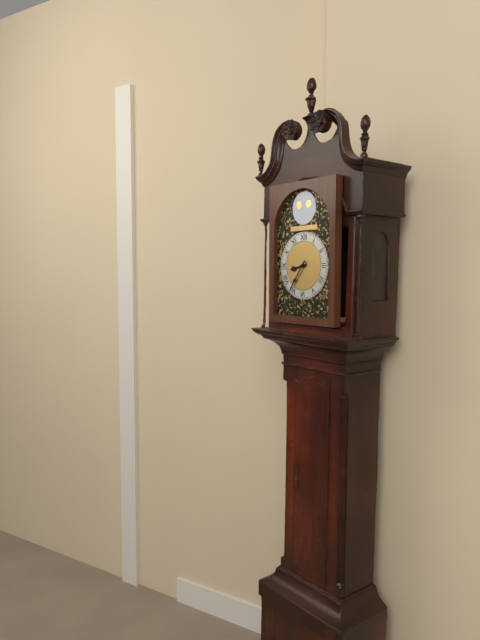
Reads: 8 h 36 min
